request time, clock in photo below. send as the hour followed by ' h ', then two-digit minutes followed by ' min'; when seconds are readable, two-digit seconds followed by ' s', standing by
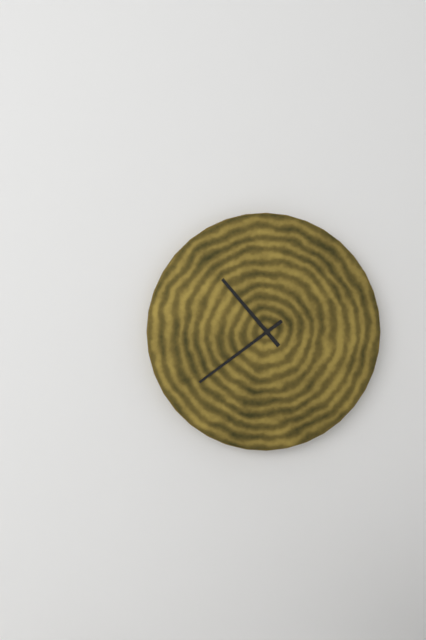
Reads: 10 h 39 min
